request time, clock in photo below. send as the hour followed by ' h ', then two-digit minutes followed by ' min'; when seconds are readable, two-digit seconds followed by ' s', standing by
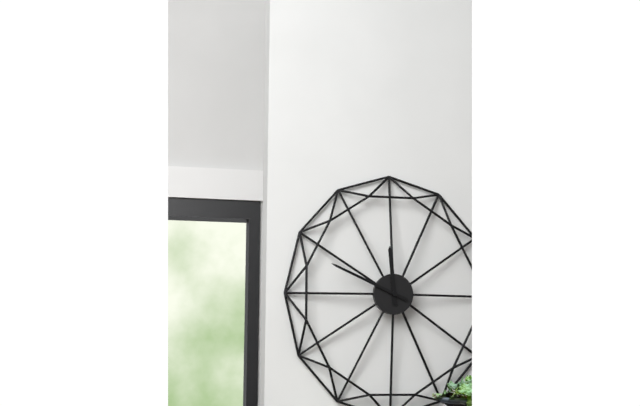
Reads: 11 h 49 min
